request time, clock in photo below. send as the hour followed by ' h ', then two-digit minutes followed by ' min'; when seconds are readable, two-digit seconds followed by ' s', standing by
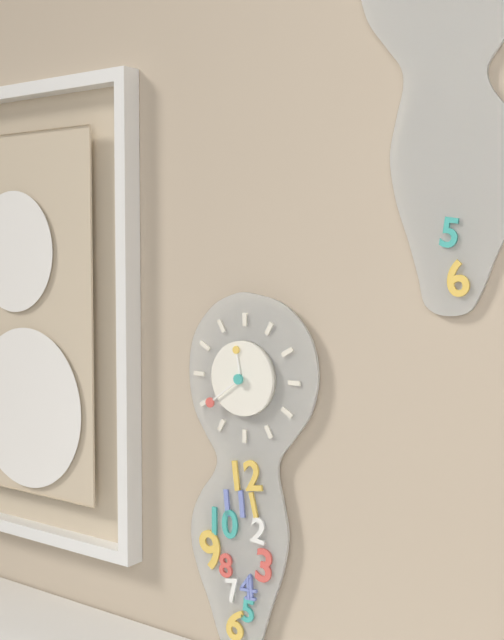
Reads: 11 h 39 min
